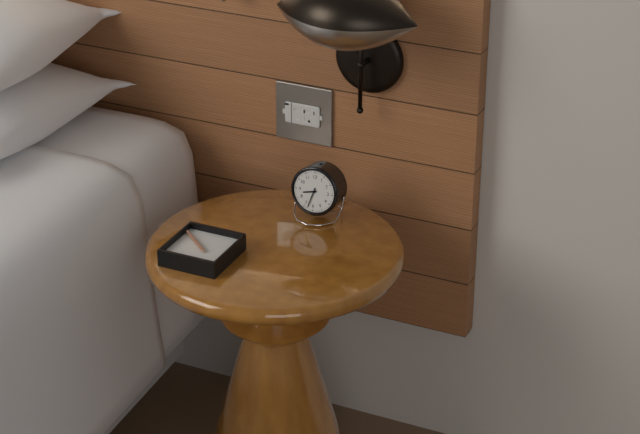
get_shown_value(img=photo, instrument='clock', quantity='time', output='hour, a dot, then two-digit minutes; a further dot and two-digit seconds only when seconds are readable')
8.33
